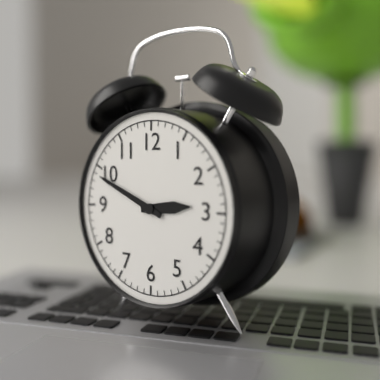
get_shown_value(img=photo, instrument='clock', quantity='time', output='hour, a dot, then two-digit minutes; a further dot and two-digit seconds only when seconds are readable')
2.49
